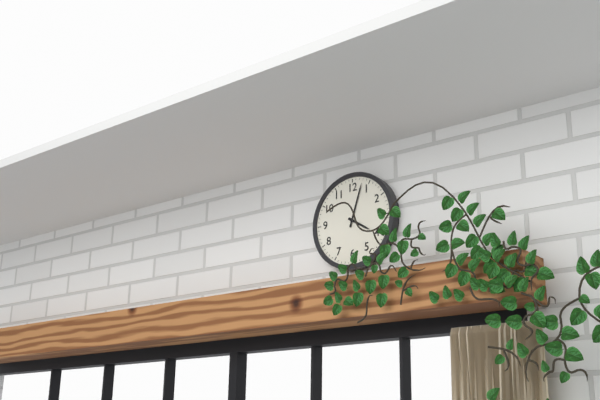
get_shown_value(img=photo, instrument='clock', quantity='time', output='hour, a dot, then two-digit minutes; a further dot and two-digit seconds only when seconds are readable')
4.03
